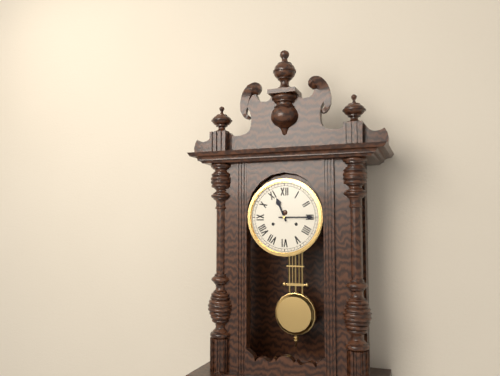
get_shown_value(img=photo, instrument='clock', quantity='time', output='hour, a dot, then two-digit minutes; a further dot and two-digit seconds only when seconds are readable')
11.15
